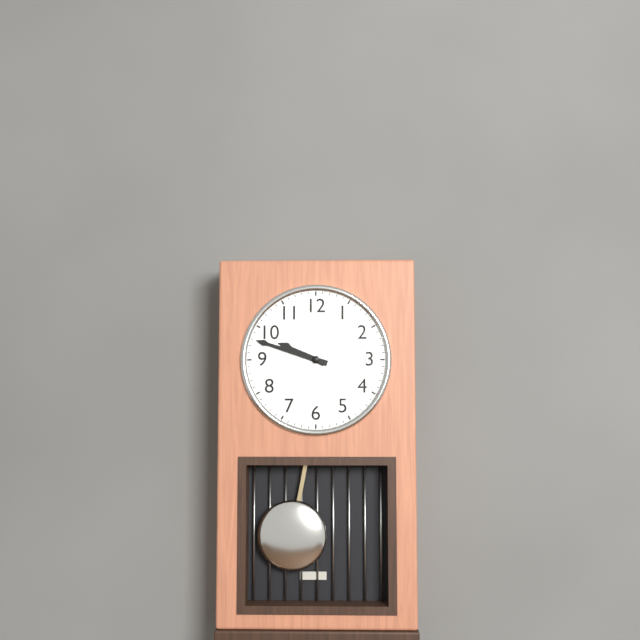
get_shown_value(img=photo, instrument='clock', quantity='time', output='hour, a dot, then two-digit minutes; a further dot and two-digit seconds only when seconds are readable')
9.48
